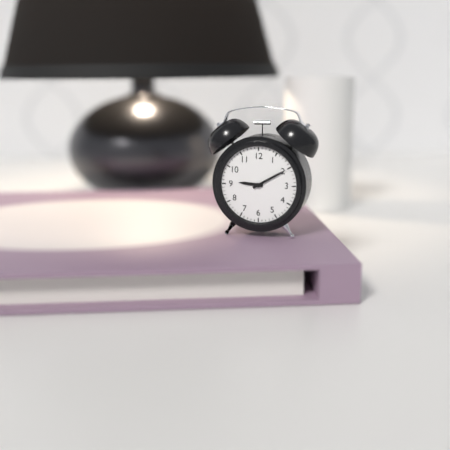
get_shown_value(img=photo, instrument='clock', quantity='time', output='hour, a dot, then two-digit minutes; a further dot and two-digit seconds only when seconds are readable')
9.10
